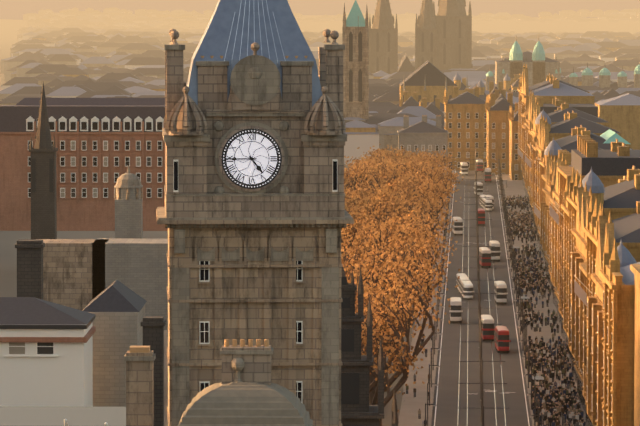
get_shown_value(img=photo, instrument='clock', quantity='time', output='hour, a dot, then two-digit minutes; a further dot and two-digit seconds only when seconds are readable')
4.45
